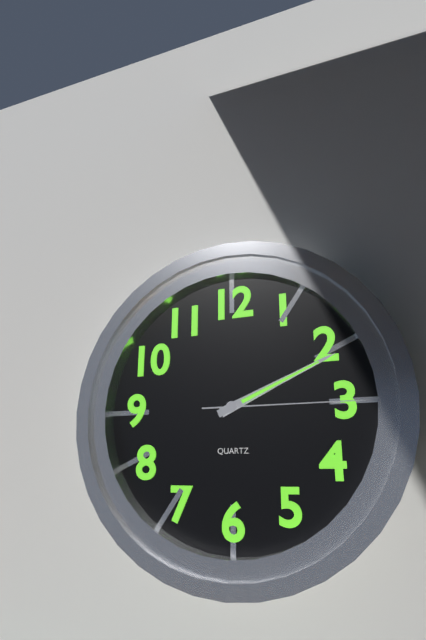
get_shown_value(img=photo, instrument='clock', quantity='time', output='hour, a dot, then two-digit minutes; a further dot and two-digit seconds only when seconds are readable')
2.11.15
